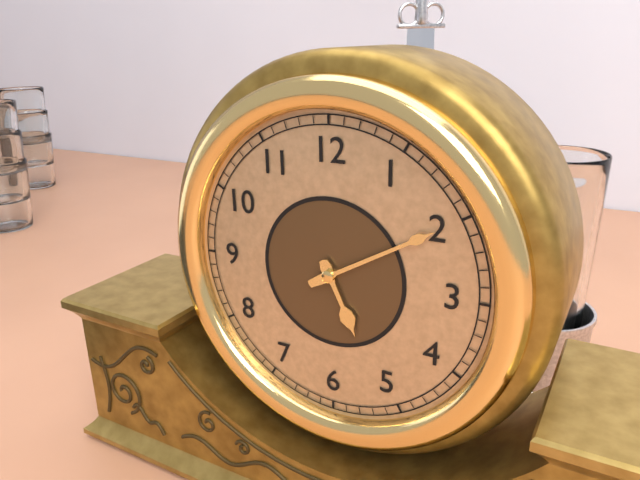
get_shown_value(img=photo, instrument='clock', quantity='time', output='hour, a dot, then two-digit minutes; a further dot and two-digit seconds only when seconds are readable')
5.10
